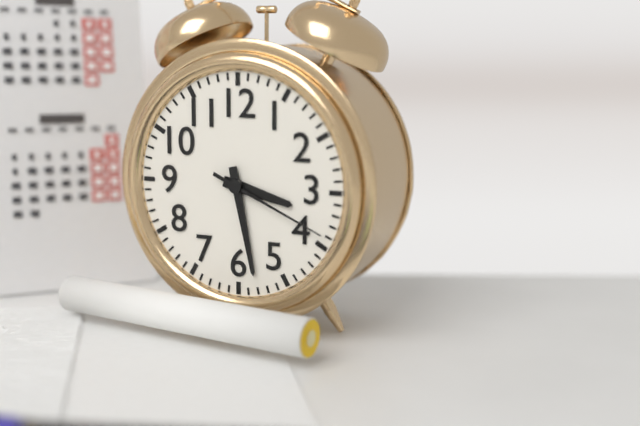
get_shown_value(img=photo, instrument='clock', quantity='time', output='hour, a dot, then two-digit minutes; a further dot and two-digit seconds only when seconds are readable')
3.28.19
